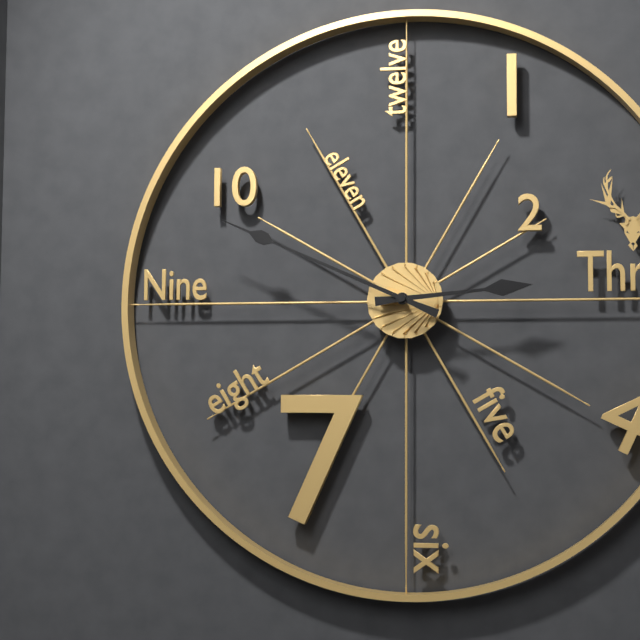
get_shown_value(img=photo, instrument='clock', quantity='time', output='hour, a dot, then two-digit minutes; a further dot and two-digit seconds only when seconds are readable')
2.49
